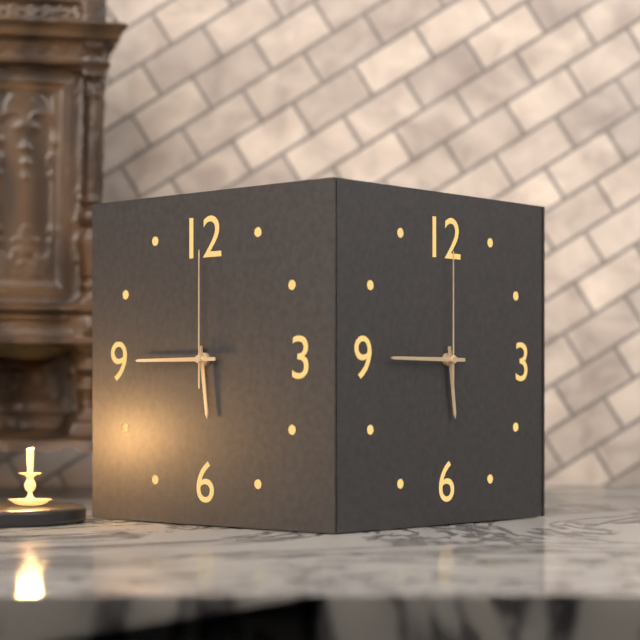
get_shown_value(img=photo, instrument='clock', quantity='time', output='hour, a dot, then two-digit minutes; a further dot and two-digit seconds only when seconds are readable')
5.45.00
